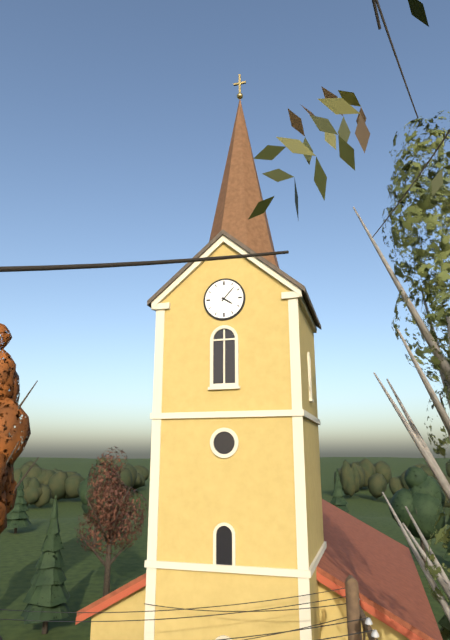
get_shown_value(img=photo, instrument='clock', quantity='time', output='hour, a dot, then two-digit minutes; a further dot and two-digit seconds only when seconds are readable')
4.07
